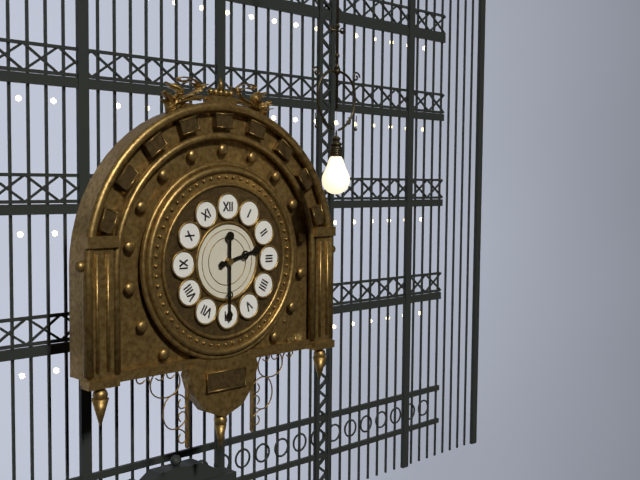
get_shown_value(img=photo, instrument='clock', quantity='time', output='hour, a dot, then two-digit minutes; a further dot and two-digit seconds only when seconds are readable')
2.30
